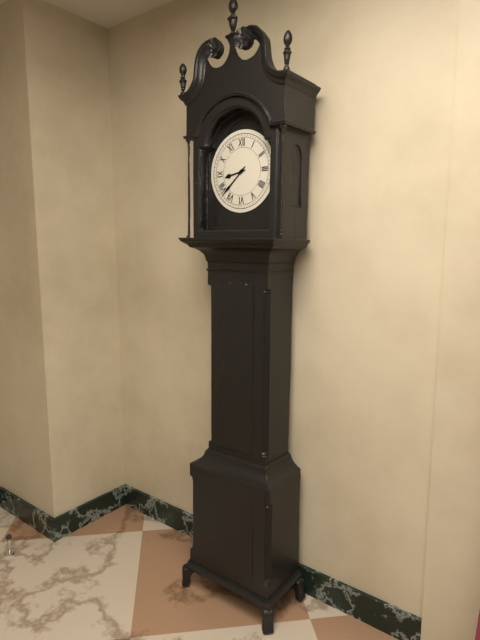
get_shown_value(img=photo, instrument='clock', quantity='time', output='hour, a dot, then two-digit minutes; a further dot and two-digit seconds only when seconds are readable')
8.38
